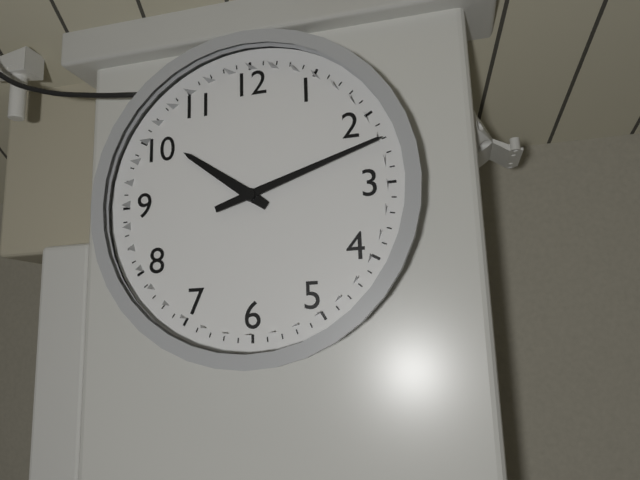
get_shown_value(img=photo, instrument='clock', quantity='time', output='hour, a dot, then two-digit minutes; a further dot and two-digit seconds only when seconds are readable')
10.12
